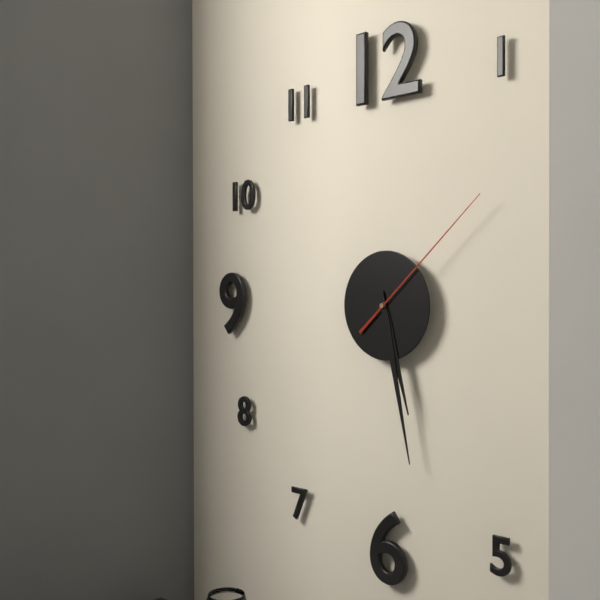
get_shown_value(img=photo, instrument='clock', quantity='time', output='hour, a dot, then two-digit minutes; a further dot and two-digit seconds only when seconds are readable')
5.28.08
